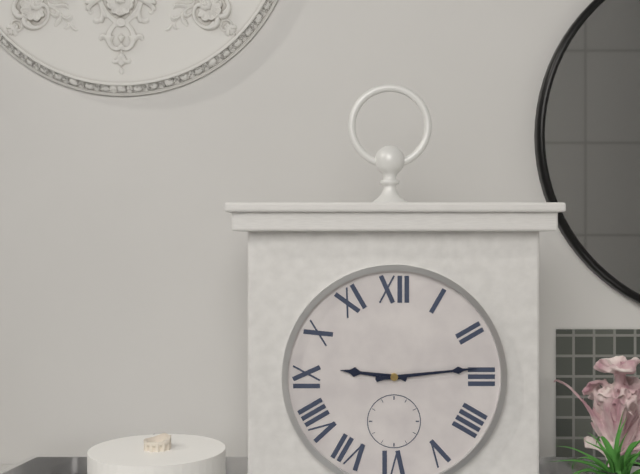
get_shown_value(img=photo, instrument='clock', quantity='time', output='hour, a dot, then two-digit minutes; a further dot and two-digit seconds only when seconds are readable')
9.14
